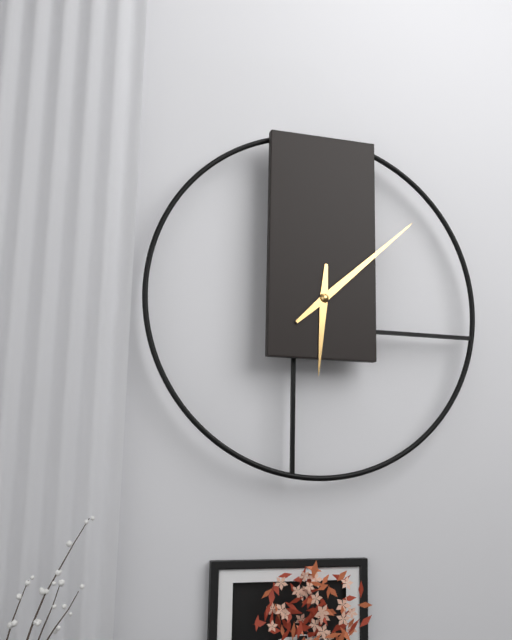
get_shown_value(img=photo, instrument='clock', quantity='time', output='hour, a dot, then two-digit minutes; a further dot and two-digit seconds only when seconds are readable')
6.08
